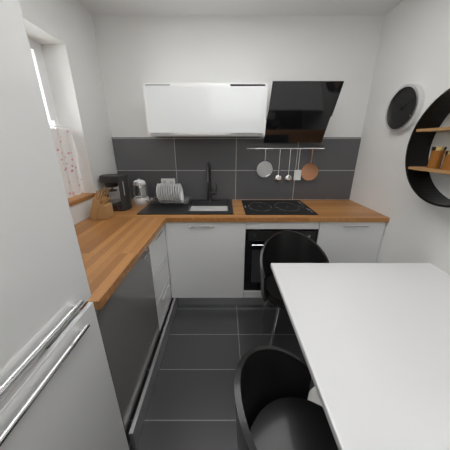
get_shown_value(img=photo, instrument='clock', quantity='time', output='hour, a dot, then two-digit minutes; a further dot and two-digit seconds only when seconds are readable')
10.10
